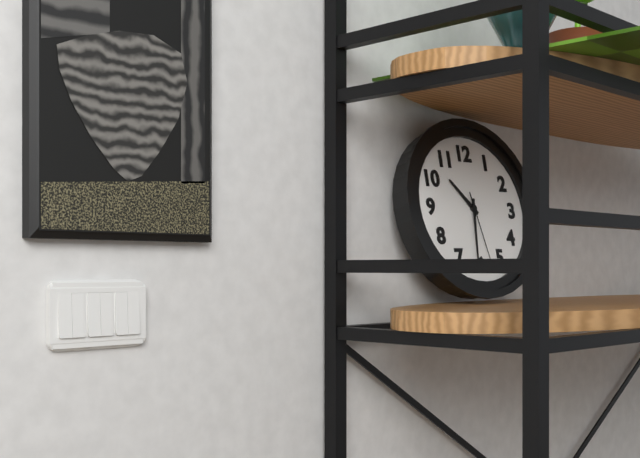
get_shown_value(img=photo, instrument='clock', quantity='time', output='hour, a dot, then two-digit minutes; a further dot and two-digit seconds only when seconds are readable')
10.31.28
